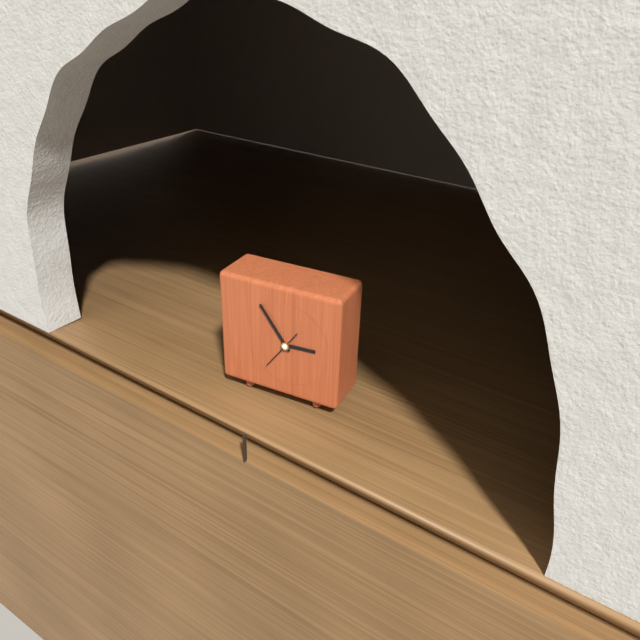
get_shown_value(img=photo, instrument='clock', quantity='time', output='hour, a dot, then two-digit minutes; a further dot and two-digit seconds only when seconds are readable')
2.54
